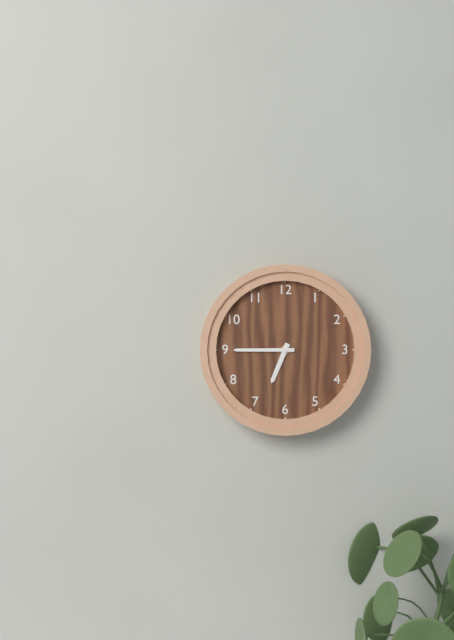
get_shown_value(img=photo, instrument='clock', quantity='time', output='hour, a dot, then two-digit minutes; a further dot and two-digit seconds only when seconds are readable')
6.45
